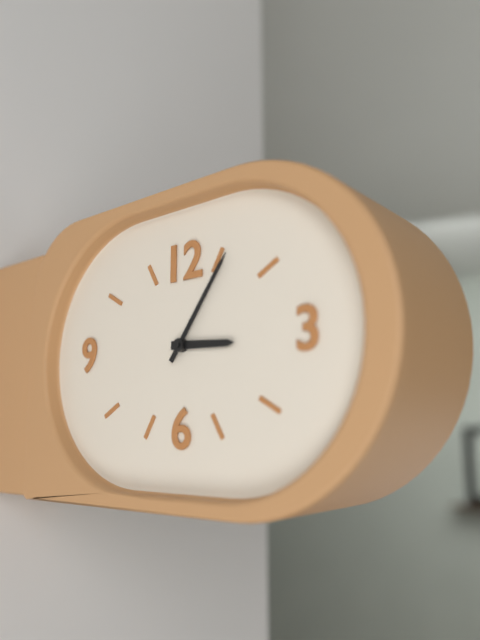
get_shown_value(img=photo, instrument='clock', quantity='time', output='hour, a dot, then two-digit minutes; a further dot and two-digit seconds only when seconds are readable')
3.06
